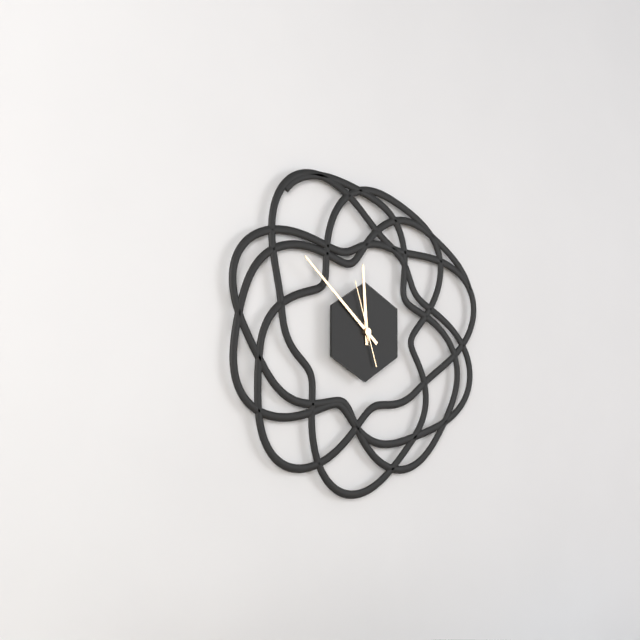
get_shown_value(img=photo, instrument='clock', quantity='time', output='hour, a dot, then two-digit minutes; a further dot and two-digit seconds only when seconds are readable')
11.52.57
